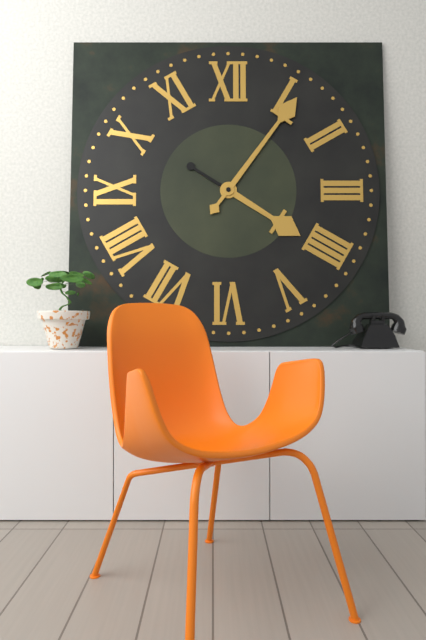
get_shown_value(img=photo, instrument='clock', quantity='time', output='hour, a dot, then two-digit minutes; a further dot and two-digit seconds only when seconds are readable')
4.06
